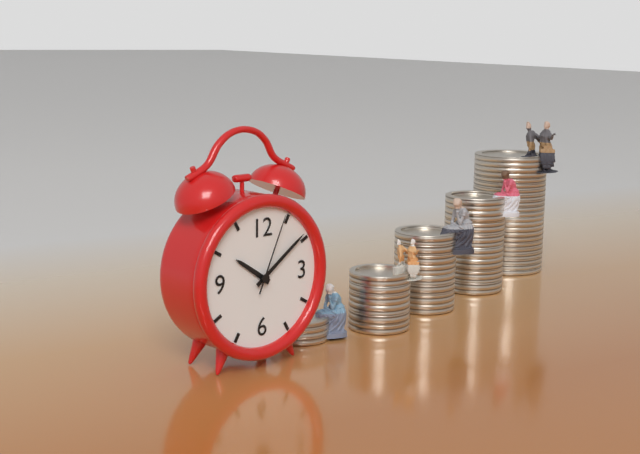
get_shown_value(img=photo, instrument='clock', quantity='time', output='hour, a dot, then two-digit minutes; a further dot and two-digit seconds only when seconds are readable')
10.09.04
